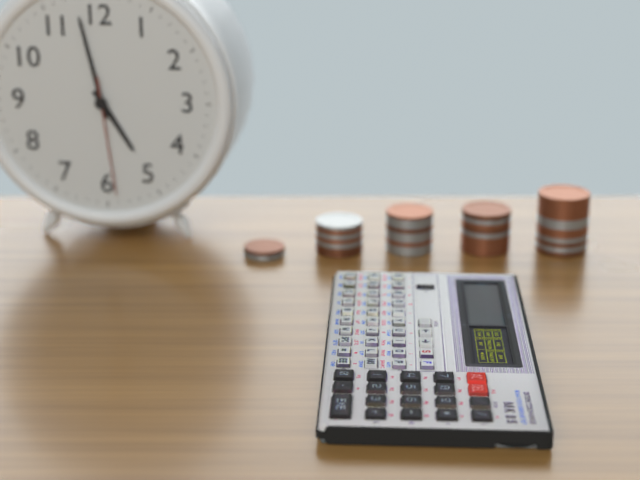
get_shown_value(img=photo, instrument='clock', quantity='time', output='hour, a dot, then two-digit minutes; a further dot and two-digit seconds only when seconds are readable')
4.58.29
